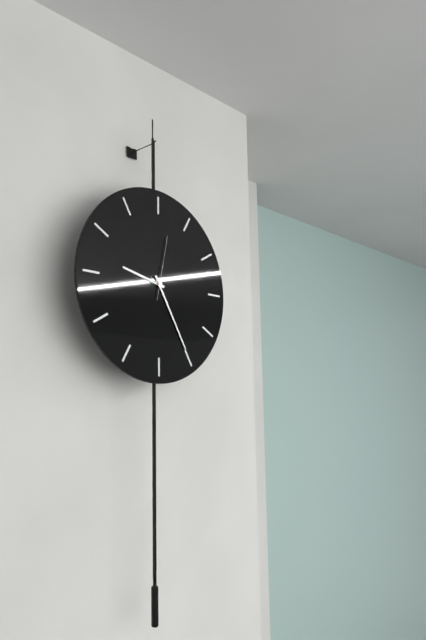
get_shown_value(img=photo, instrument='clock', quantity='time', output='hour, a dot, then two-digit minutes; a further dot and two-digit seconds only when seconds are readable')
9.25.02
